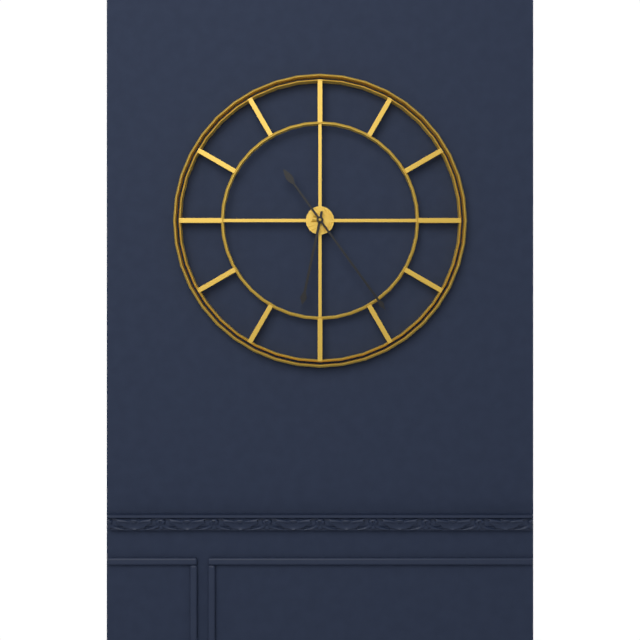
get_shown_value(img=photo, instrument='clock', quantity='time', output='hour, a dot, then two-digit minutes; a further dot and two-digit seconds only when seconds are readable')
6.24
